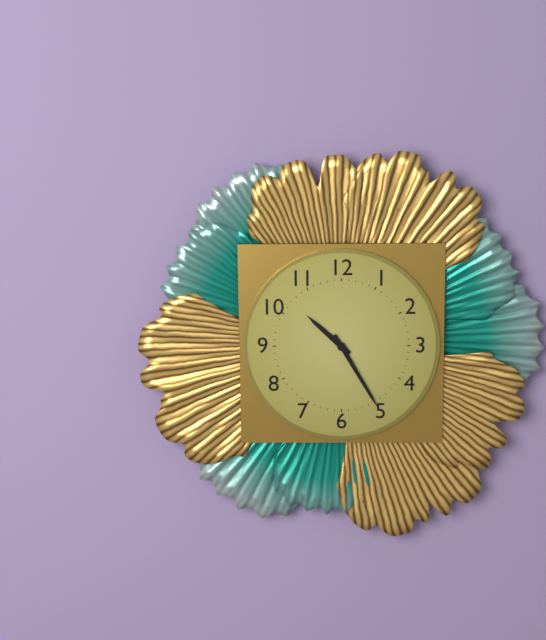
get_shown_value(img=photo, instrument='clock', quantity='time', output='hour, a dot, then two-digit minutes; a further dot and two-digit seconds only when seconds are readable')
10.25
